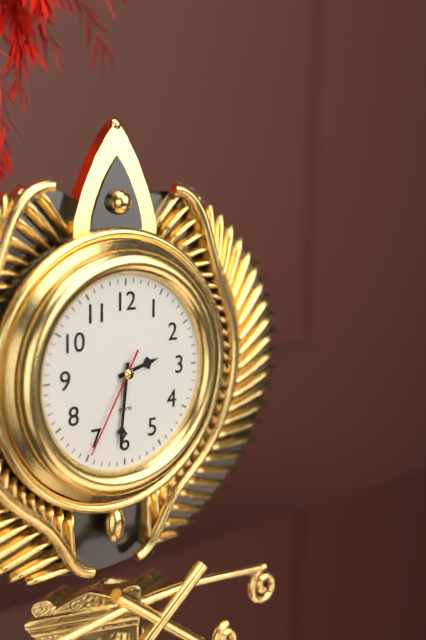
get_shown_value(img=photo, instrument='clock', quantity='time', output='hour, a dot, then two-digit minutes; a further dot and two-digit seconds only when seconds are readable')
2.31.35
